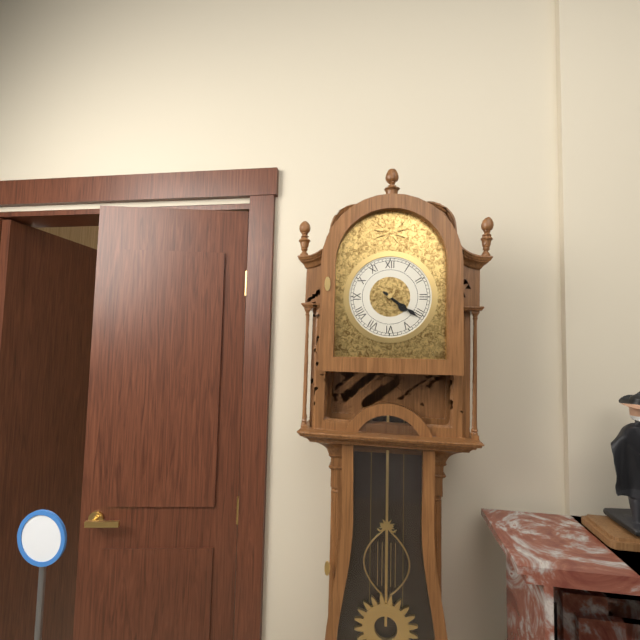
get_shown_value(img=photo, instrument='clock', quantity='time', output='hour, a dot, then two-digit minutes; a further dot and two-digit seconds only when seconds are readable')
4.21
